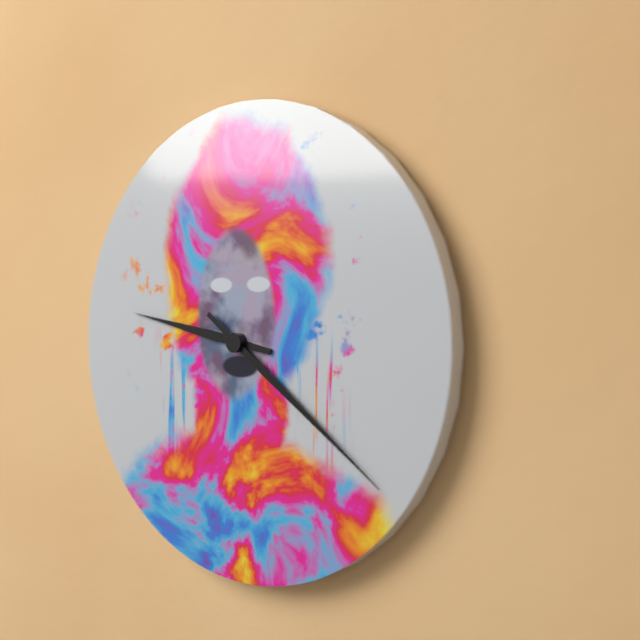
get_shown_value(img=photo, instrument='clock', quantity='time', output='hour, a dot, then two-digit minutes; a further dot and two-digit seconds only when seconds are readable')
9.21
